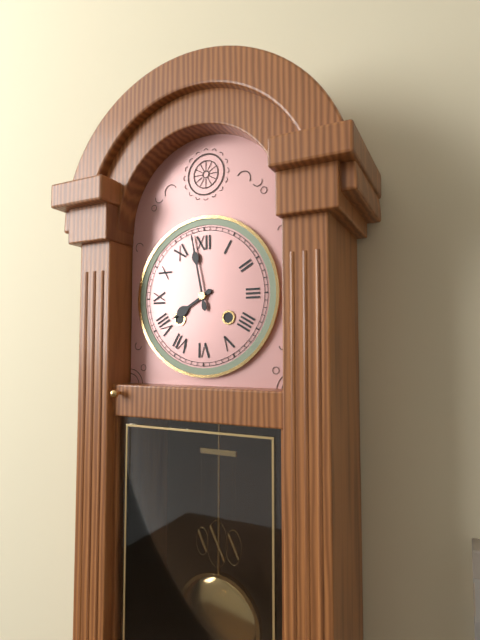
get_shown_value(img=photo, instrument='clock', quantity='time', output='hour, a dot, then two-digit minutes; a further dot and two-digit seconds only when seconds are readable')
7.58
